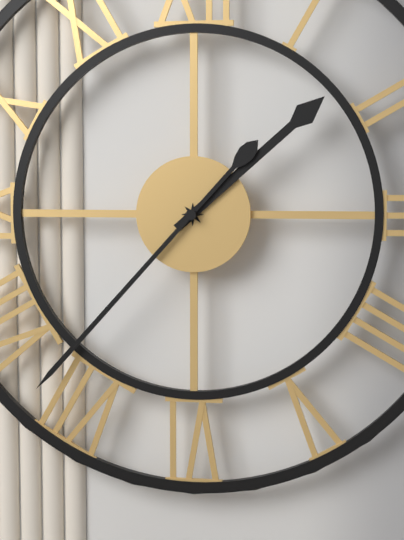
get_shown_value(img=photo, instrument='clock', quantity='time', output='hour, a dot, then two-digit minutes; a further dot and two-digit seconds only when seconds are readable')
1.37
